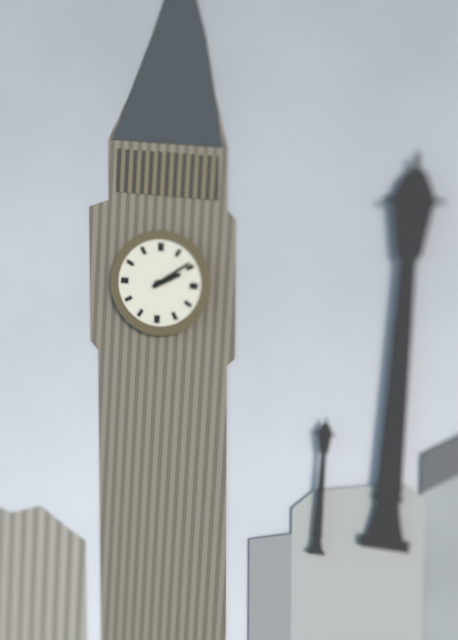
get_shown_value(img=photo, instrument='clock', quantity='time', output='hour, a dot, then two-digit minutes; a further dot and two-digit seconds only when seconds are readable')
2.09
